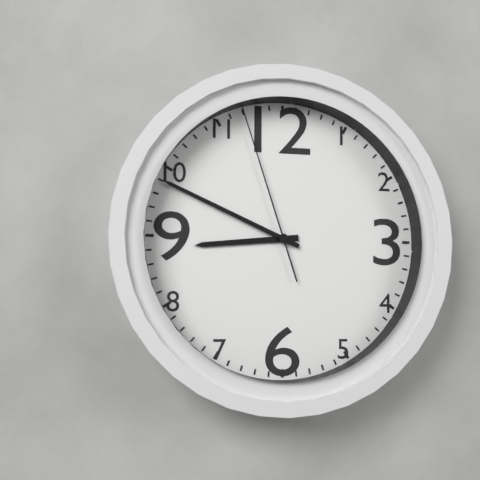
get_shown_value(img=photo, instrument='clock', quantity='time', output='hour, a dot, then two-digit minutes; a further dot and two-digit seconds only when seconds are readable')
8.49.57
